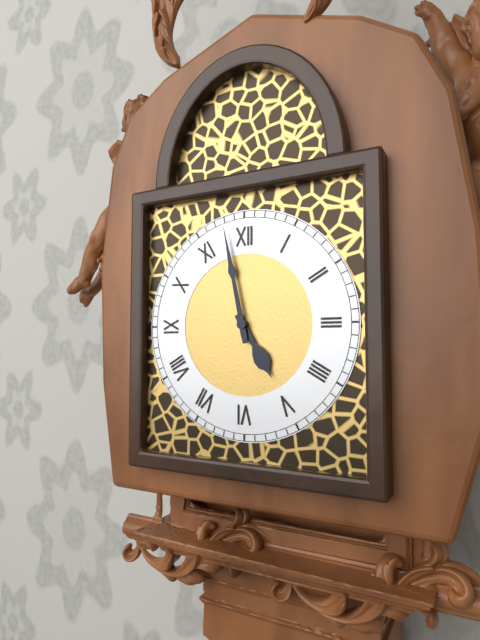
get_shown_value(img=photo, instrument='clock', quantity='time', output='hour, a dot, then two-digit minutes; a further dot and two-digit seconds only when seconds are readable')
4.58
